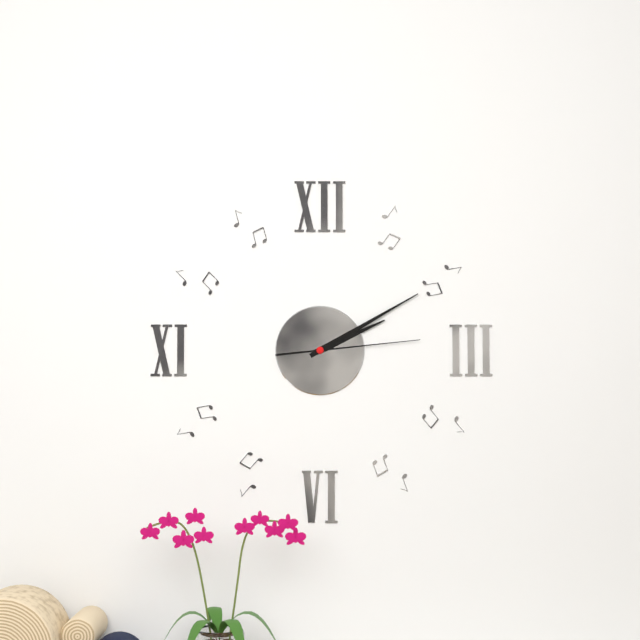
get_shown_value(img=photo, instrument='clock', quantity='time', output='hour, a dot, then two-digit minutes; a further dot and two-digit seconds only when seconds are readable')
2.10.14
